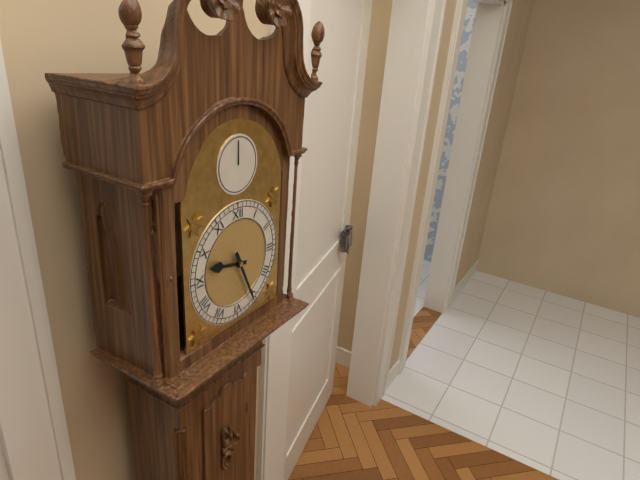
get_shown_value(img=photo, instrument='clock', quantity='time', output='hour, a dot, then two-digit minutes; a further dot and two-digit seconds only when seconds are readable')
9.26
